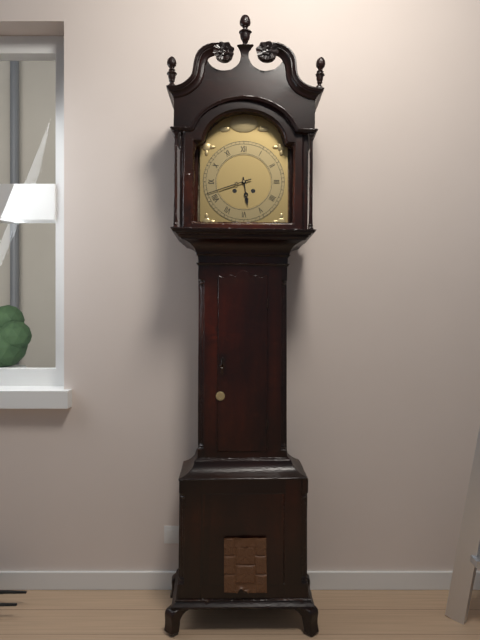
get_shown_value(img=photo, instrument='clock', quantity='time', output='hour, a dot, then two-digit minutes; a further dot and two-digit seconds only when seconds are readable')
5.42
